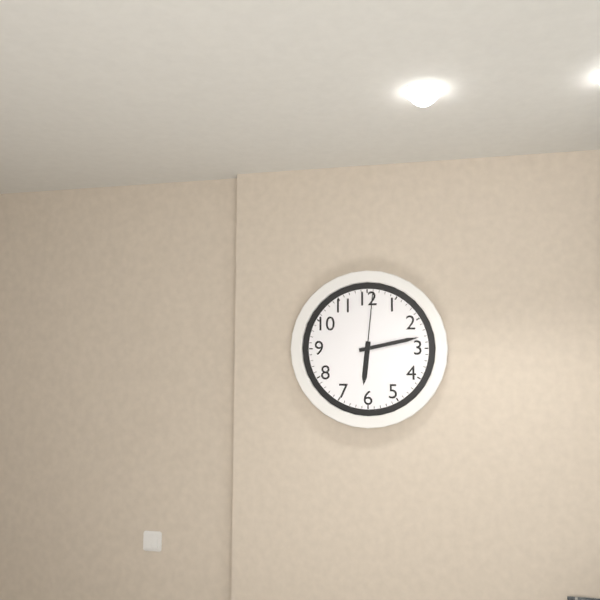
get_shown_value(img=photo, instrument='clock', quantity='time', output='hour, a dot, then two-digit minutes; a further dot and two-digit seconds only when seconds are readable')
6.13.01
